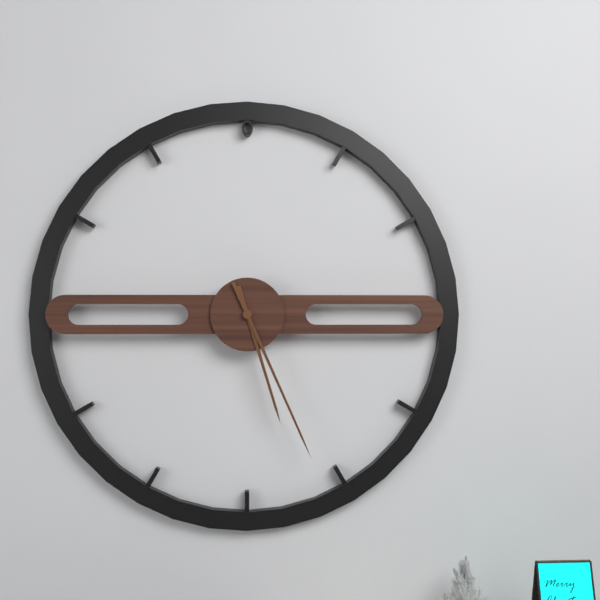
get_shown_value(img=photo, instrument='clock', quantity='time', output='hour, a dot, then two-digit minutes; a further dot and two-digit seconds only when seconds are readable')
5.26
